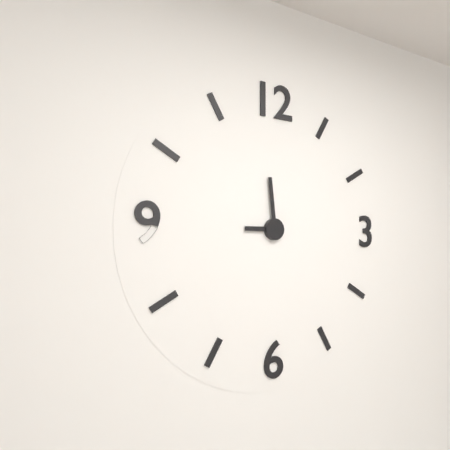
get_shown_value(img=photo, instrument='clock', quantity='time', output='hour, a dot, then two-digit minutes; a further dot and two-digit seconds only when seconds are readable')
8.59
